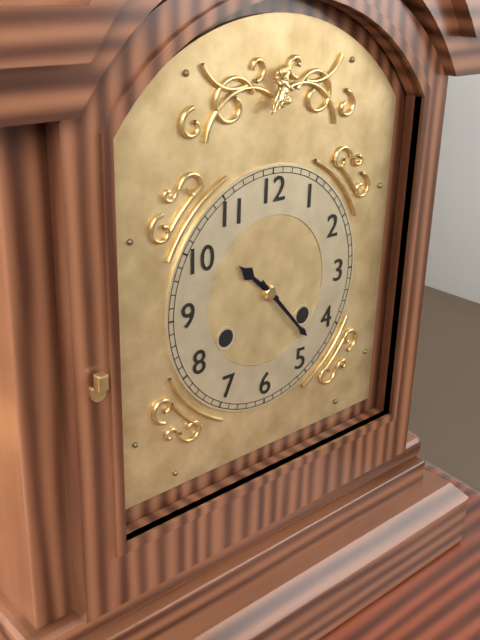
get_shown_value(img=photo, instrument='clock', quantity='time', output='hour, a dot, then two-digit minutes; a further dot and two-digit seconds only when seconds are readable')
10.23
